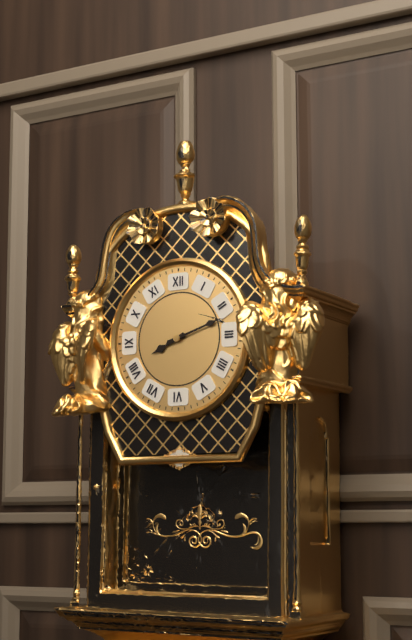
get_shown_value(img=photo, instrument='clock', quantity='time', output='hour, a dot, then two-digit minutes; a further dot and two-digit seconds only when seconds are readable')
8.12
